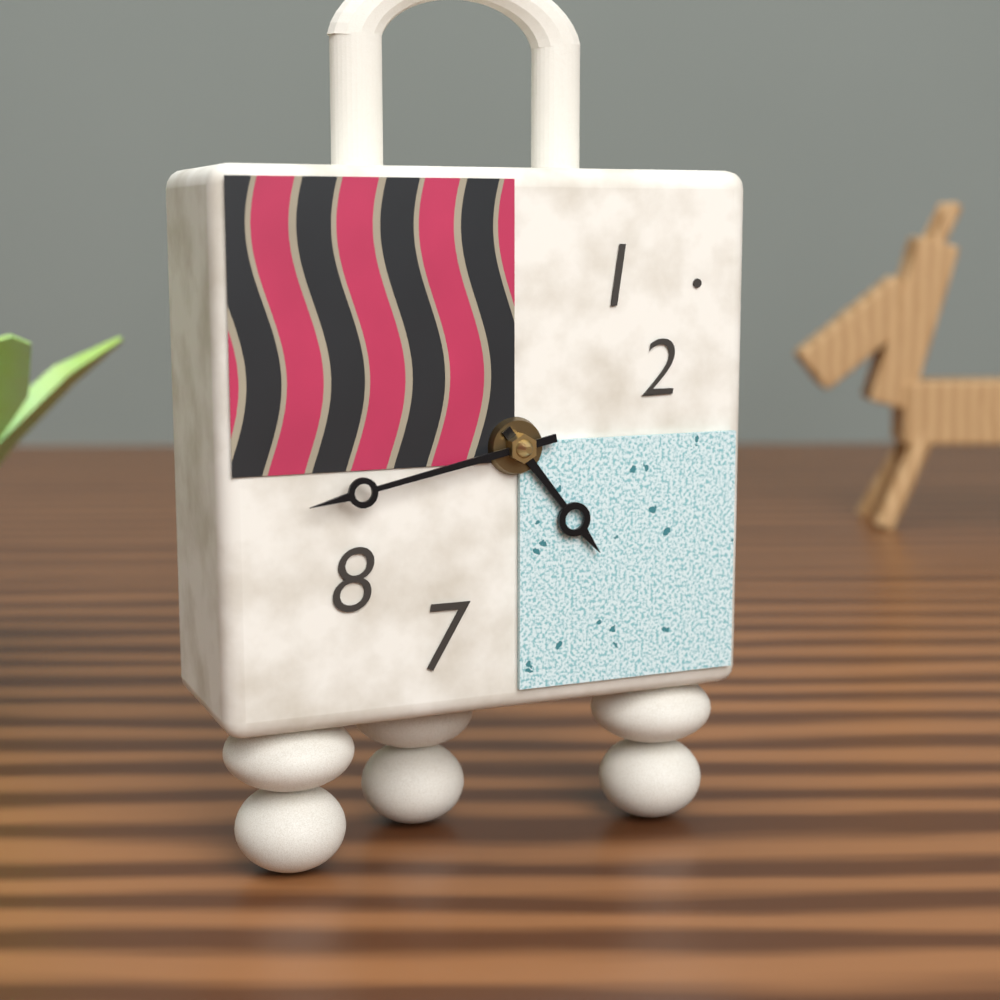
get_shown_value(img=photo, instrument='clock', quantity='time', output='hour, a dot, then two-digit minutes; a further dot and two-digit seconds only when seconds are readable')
4.43
